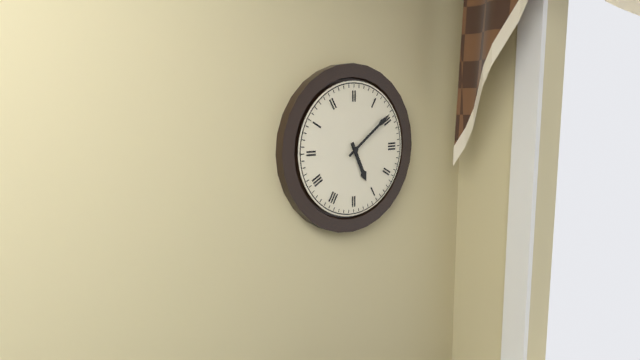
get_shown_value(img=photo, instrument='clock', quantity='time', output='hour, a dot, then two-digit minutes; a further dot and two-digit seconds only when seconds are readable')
5.09
